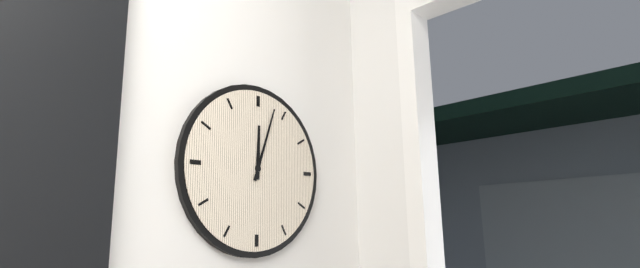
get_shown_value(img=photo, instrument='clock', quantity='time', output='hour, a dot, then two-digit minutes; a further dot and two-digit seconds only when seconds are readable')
12.03
